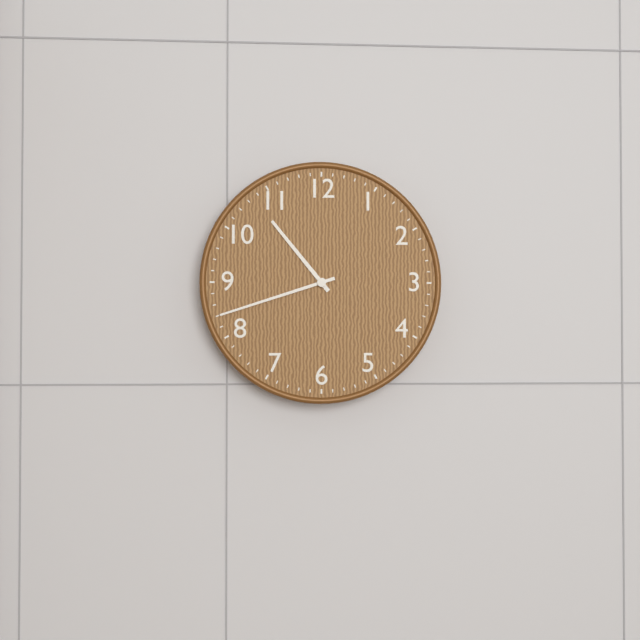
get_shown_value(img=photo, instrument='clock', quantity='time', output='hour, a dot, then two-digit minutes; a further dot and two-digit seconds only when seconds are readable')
10.42
